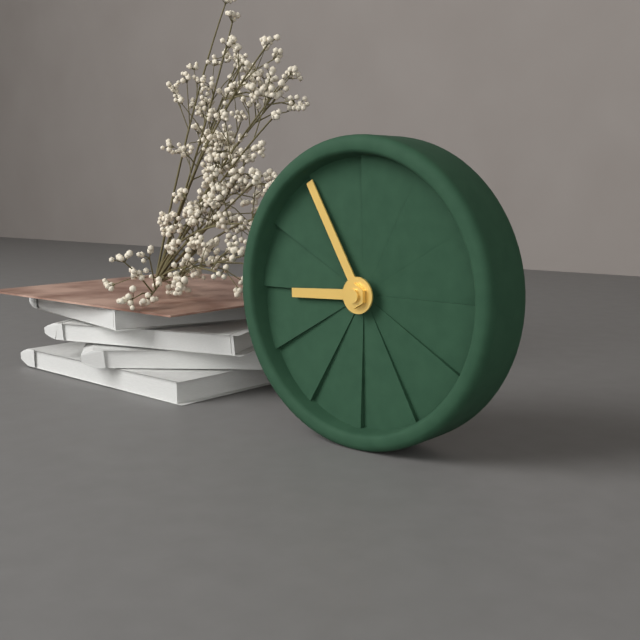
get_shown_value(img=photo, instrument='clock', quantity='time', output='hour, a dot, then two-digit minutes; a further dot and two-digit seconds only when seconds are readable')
8.55
